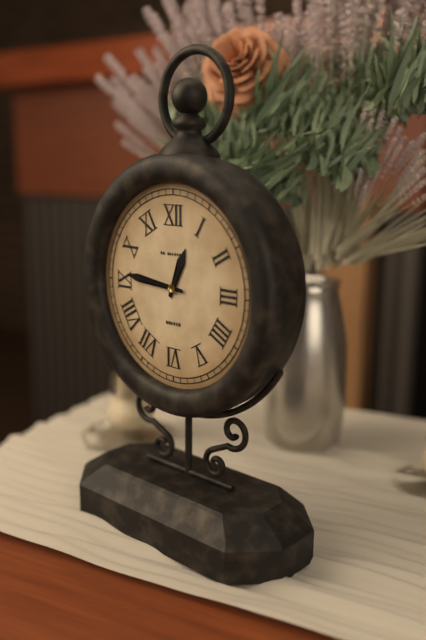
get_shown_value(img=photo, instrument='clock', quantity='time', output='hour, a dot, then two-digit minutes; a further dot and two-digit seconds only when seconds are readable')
12.46
